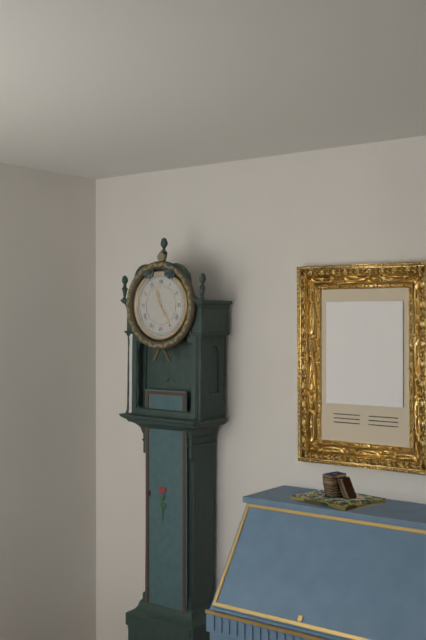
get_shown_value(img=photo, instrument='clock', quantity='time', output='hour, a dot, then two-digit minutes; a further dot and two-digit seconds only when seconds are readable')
11.24
